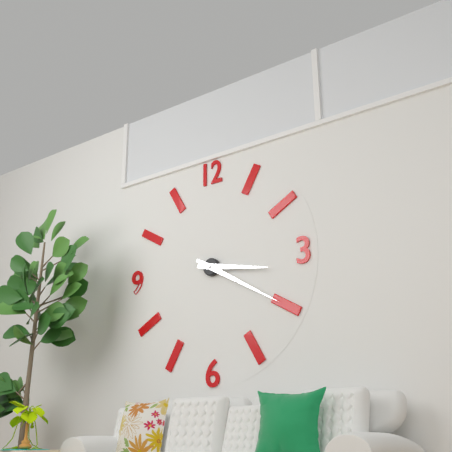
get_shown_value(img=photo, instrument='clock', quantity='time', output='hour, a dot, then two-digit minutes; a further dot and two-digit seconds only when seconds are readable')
3.20
